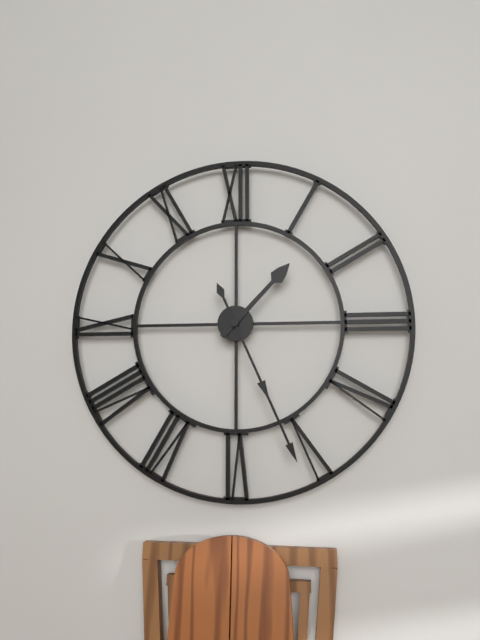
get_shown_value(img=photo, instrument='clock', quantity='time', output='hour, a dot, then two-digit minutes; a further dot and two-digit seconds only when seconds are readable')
1.26
